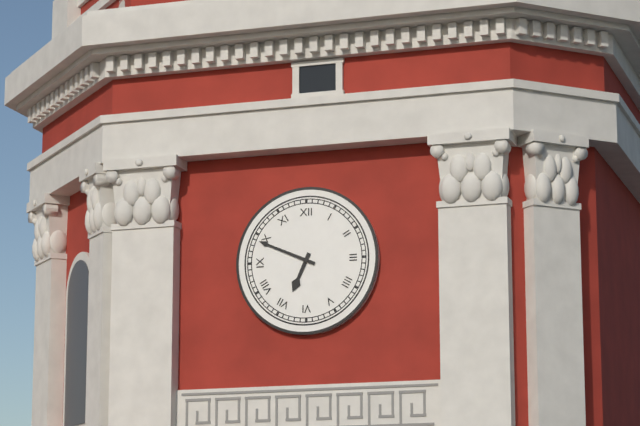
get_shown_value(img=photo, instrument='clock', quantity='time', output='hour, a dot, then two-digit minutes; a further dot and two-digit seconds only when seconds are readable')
6.49
